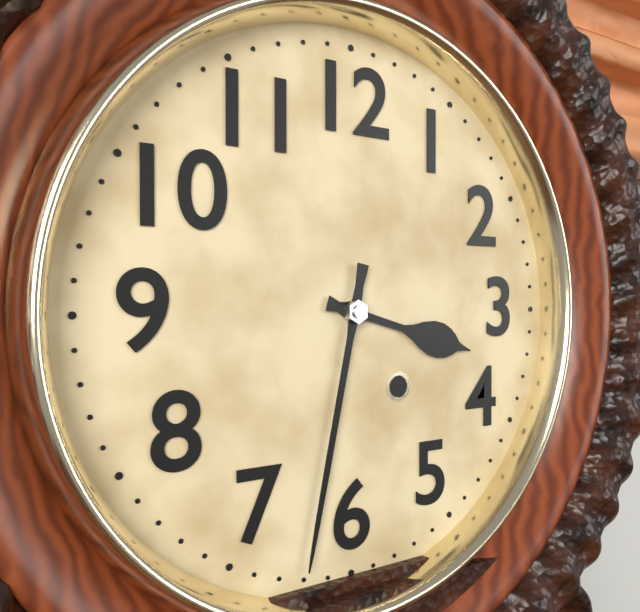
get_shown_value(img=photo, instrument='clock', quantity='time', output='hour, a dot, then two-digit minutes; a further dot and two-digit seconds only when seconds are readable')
3.32
